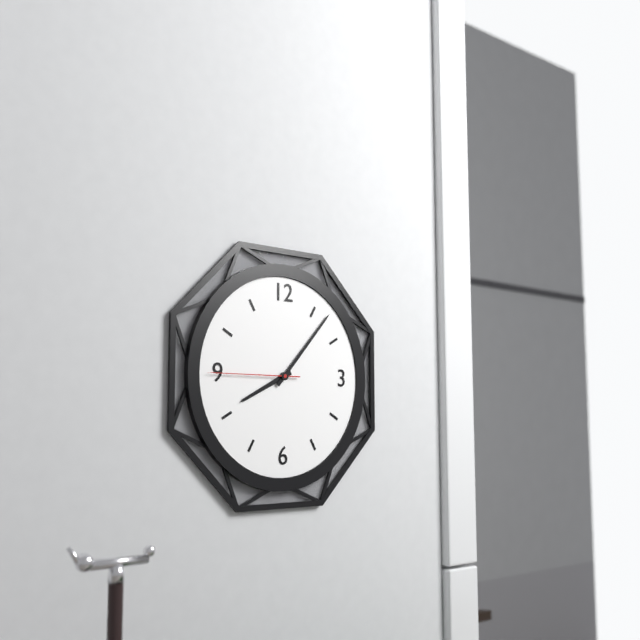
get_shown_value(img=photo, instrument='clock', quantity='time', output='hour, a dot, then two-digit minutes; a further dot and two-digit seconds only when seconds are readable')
8.07.45
